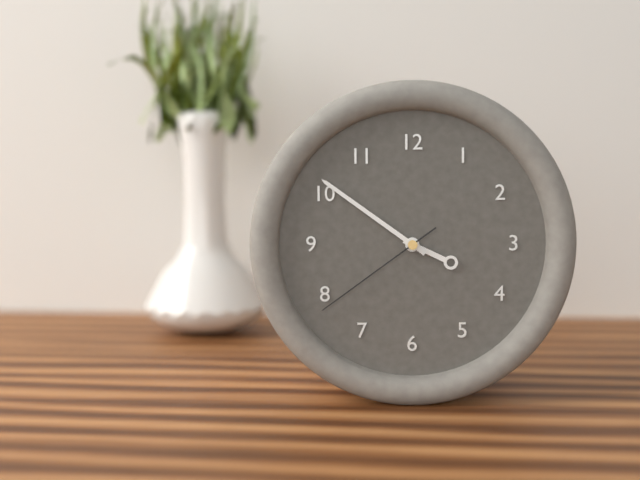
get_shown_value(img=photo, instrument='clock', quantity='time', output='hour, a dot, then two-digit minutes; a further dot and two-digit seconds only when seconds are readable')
3.51.39
